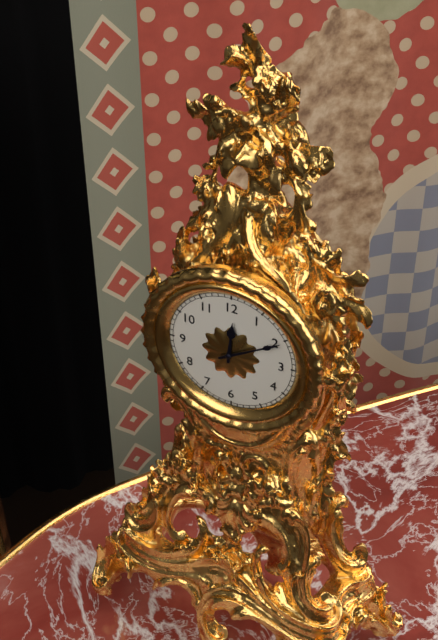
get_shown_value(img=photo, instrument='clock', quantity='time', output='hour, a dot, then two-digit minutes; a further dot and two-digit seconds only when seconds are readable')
12.10
